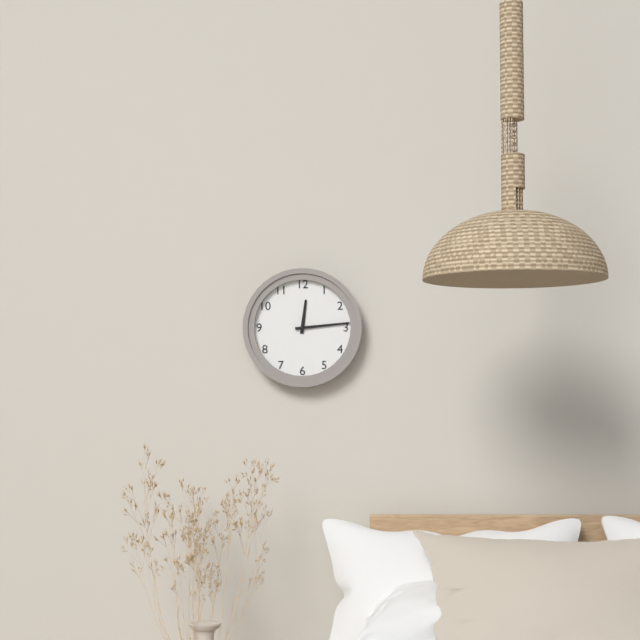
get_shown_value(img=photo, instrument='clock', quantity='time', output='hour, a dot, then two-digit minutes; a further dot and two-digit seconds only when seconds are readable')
12.14
